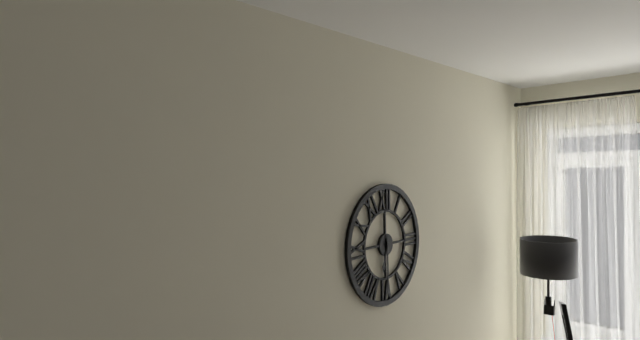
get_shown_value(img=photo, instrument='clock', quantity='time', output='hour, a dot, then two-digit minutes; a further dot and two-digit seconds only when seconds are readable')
6.30
